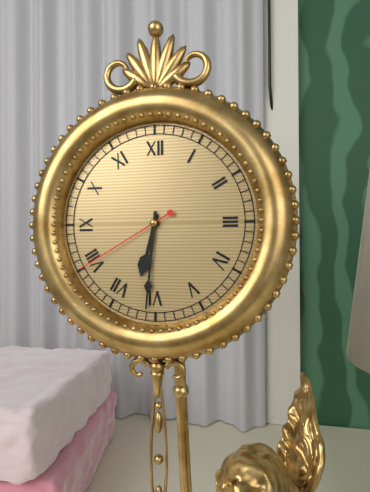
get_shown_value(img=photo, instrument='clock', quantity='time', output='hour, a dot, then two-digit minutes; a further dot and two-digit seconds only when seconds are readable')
6.31.40
